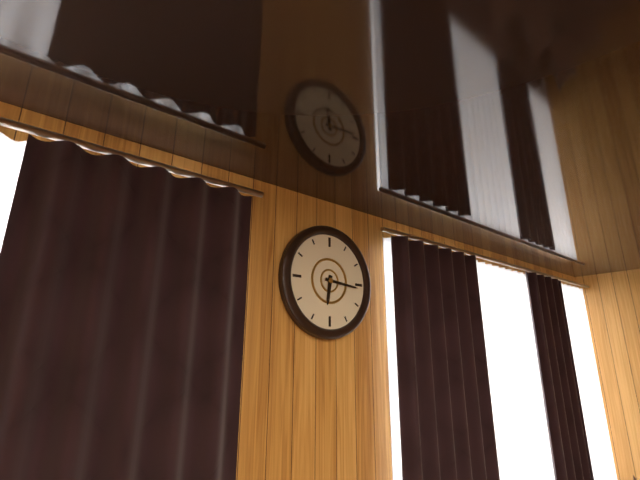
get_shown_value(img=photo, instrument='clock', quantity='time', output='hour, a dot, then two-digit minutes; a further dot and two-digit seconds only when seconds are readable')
6.16
